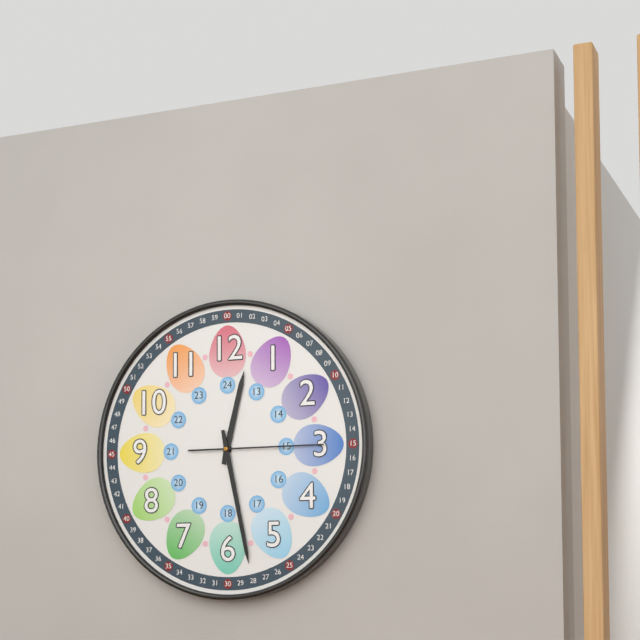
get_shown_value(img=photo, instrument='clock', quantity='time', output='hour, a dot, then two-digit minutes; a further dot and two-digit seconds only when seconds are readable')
12.28.15
